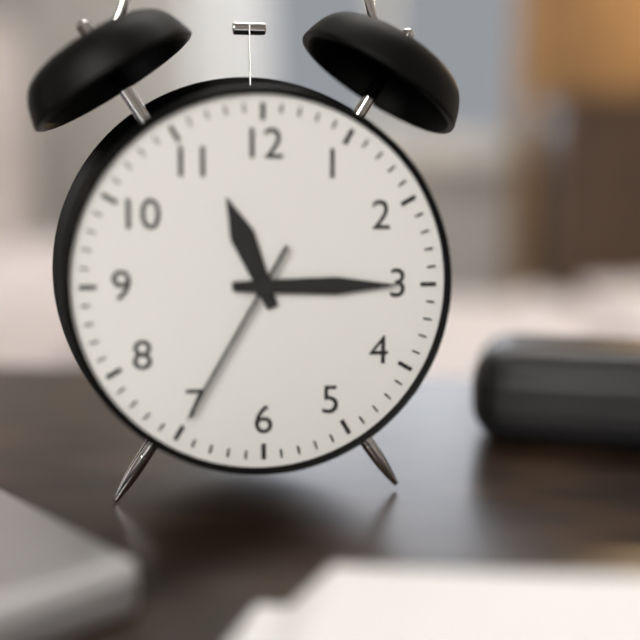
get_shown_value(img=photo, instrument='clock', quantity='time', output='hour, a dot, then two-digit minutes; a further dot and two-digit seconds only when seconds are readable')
11.15.35
